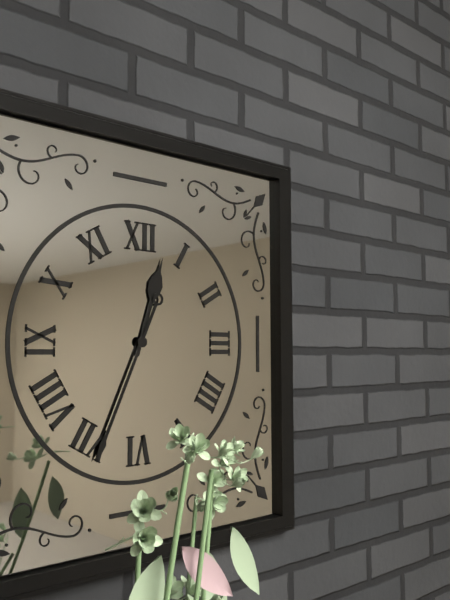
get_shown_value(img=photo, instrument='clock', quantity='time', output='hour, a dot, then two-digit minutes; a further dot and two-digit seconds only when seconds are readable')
12.34
